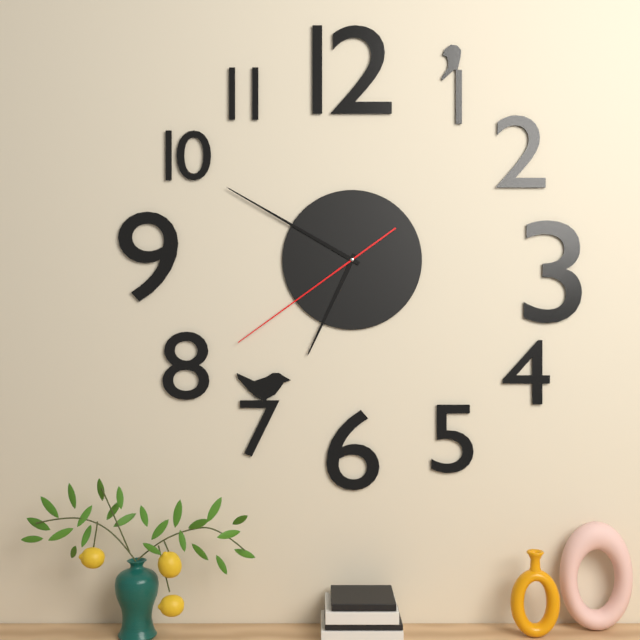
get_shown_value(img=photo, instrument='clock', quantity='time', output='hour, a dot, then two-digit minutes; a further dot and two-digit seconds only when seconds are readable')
6.50.39
